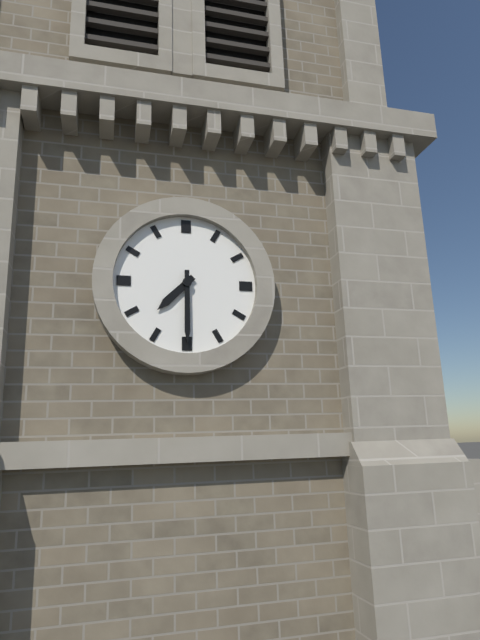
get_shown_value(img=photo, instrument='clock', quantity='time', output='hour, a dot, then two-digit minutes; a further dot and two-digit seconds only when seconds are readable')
7.30
